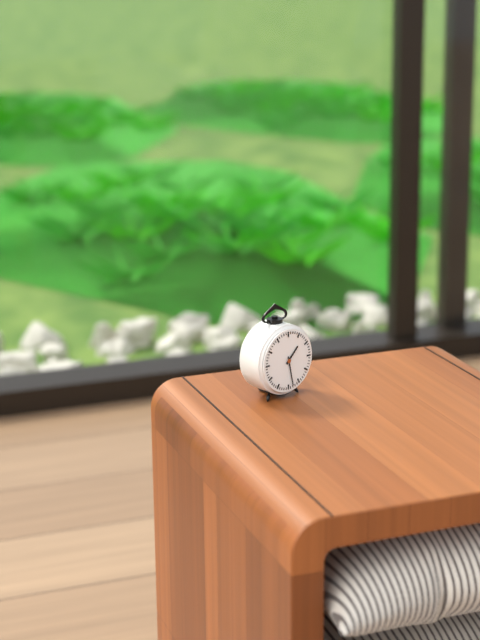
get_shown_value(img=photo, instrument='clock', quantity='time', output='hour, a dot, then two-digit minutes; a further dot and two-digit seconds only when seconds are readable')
1.28
